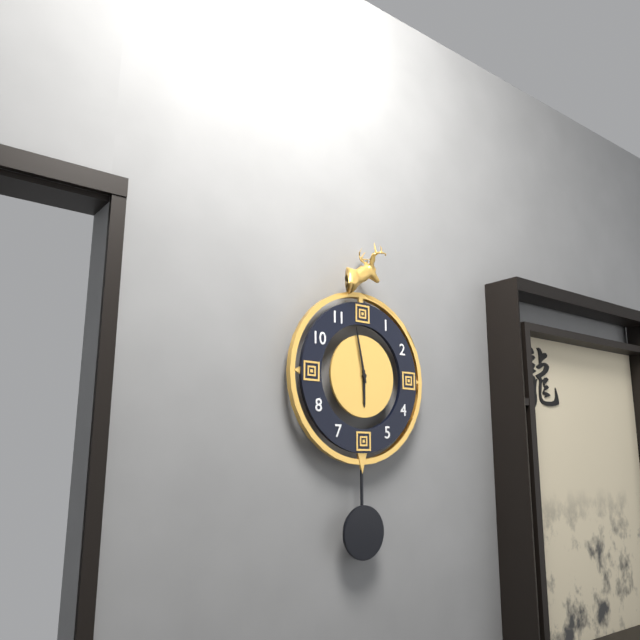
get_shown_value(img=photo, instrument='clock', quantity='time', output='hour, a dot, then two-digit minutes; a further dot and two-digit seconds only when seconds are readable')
5.58
